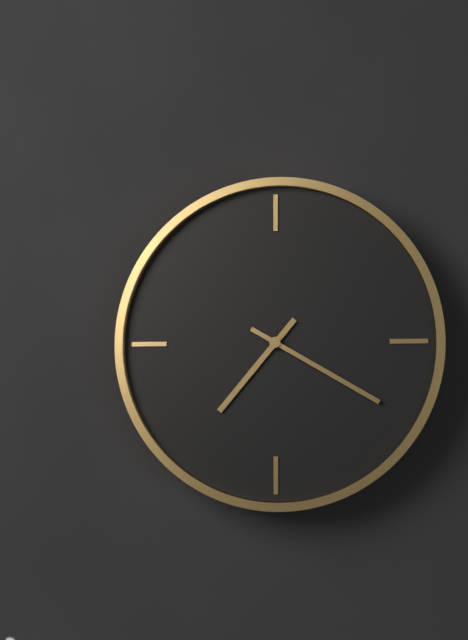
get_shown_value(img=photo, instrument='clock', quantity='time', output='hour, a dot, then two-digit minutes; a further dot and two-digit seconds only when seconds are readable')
7.20
